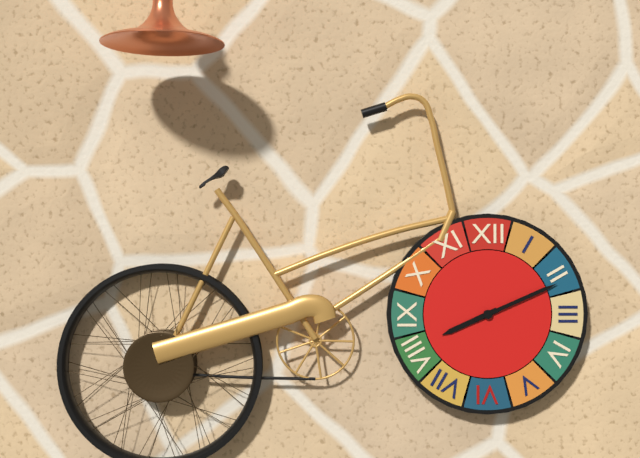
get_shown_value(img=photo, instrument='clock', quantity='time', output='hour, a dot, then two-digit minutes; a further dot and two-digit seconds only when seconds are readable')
8.11
